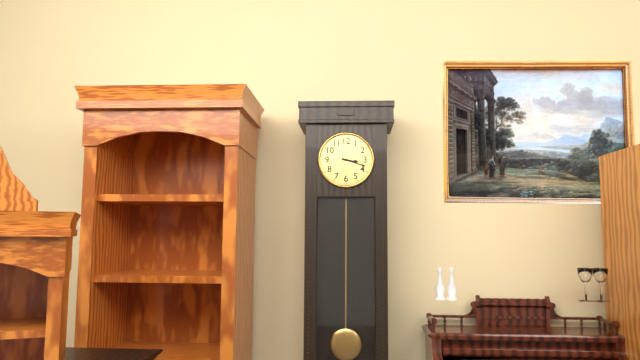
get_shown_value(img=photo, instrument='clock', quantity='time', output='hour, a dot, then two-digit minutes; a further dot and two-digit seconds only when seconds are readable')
3.18
